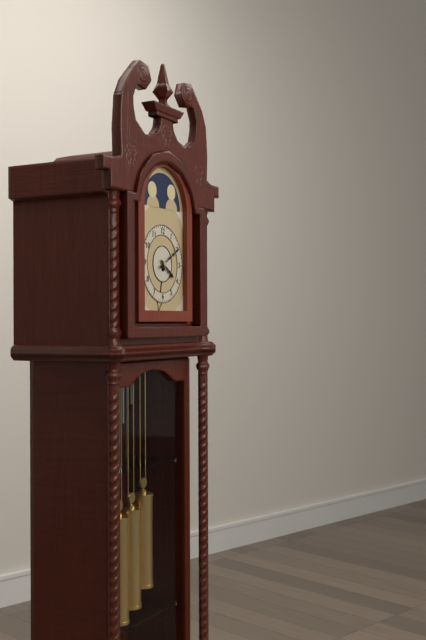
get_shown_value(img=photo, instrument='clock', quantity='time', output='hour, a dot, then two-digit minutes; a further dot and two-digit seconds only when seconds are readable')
4.10
